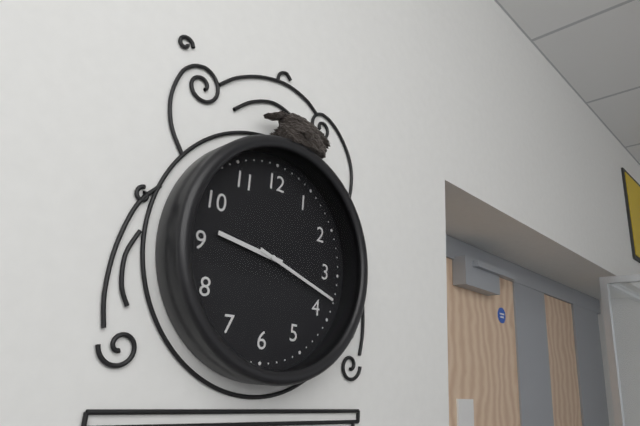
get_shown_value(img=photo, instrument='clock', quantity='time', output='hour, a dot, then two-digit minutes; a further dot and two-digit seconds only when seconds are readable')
9.18
